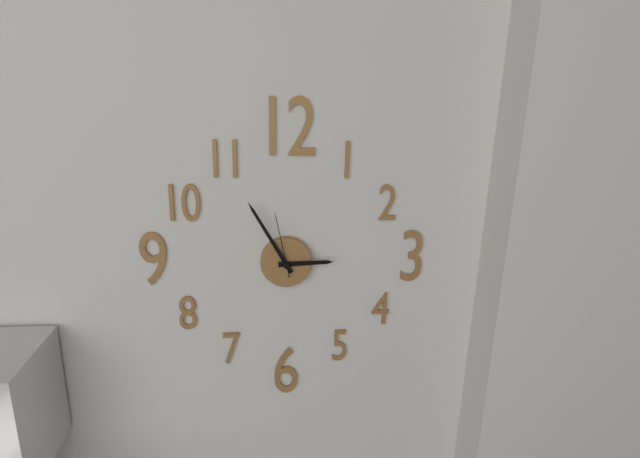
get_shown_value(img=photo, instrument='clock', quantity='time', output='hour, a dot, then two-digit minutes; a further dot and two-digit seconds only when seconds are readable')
2.55.58
